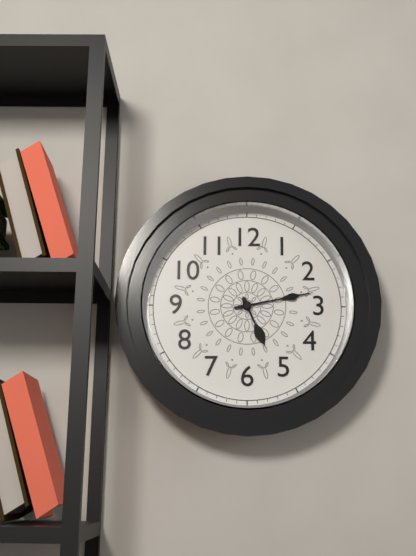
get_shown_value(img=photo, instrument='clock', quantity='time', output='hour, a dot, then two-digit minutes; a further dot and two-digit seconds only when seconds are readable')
5.13
